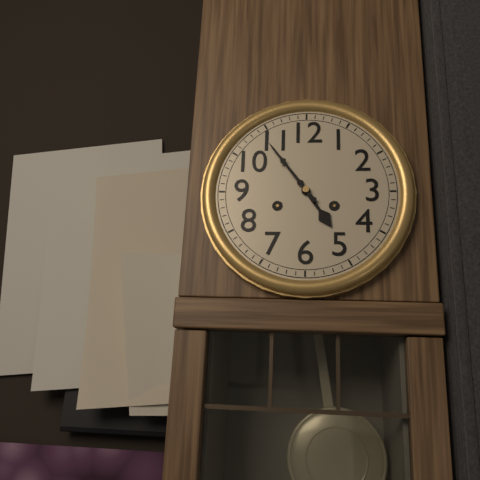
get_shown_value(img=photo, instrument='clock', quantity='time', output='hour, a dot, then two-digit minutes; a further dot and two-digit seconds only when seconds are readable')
4.54
